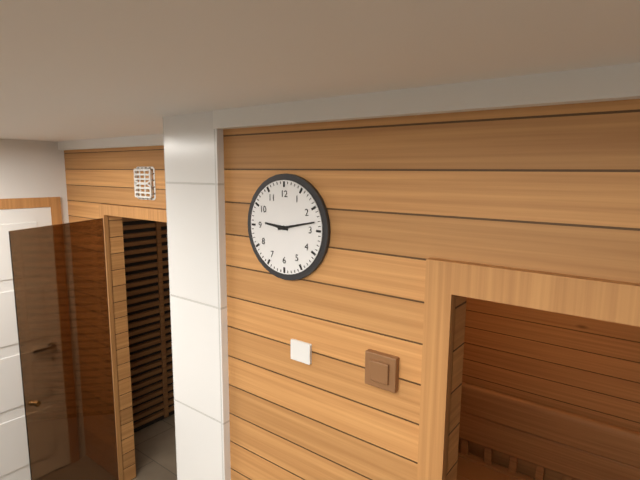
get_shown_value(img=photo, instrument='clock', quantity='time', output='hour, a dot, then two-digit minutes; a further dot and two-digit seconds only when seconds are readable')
9.13
